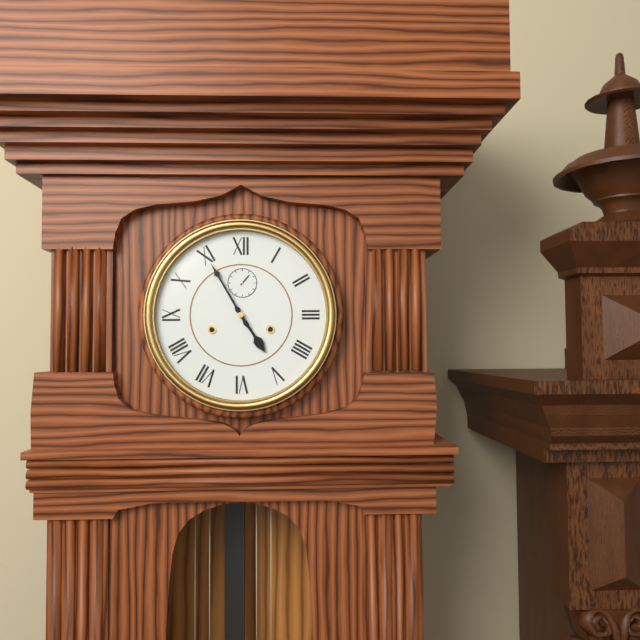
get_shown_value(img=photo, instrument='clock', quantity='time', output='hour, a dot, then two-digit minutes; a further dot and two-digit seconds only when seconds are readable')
4.55
